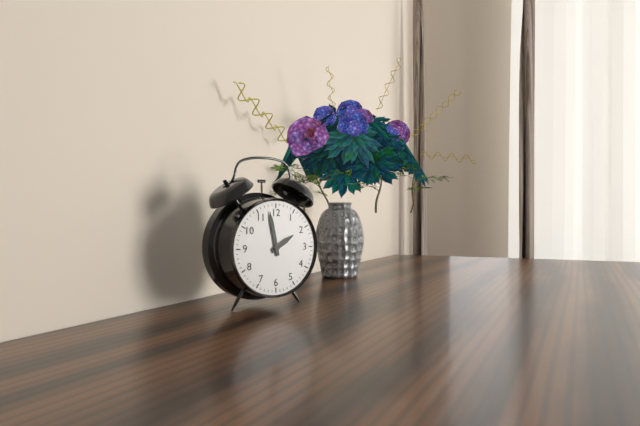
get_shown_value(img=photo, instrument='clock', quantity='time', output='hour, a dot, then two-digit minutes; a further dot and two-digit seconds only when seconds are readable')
1.58
